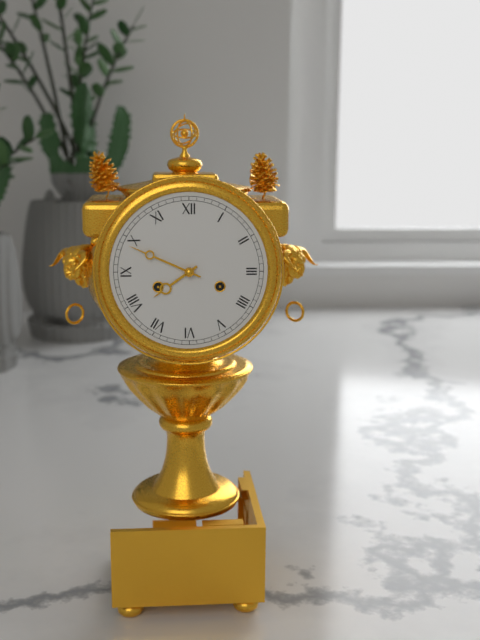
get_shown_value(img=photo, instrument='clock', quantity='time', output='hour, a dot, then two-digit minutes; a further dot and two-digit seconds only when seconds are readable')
7.49
